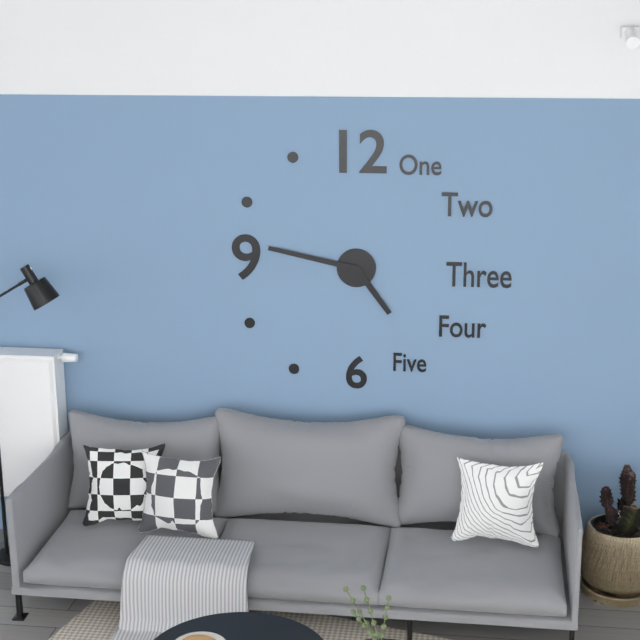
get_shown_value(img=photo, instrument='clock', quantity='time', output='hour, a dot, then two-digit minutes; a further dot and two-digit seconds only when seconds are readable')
4.47
